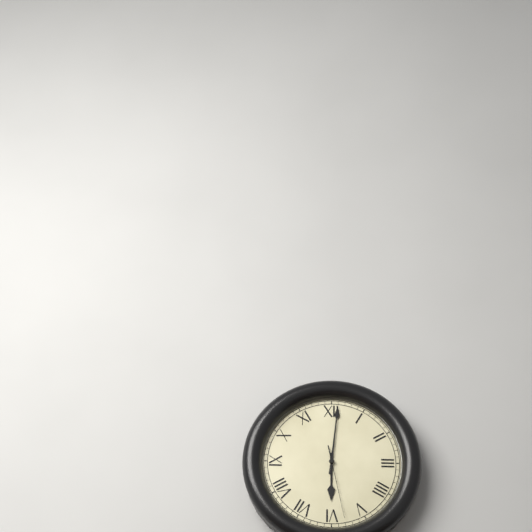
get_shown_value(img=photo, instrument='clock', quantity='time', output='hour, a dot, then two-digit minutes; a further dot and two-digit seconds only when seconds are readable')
6.01.28
